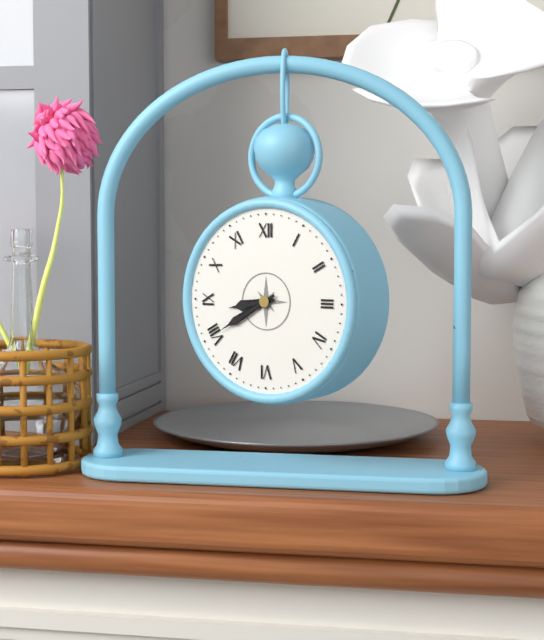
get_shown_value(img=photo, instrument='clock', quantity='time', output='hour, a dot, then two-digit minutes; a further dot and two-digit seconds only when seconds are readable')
8.40
